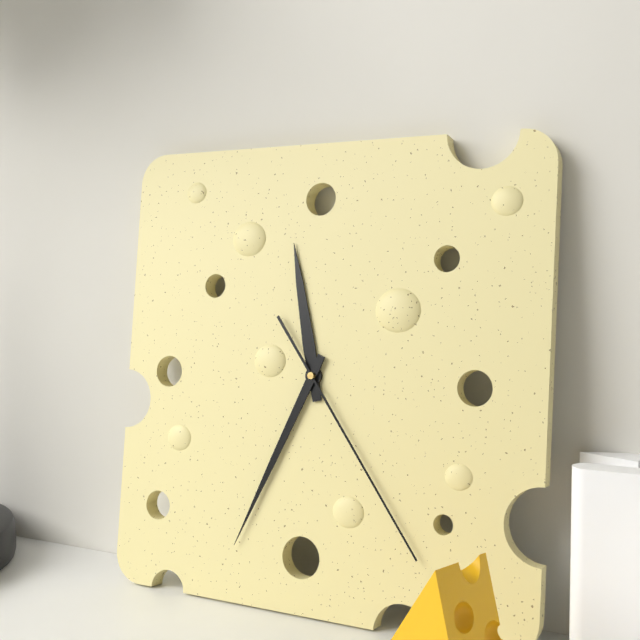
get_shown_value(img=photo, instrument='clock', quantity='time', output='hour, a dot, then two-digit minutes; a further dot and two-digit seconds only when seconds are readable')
11.34.24
